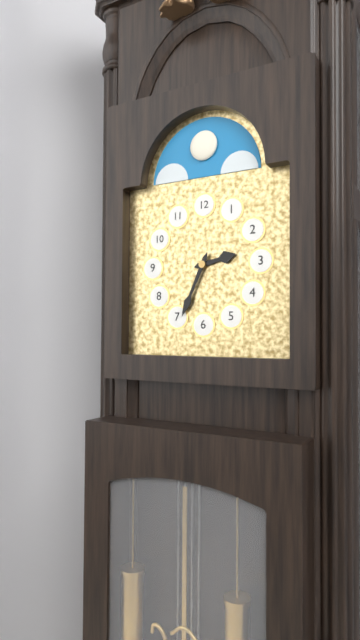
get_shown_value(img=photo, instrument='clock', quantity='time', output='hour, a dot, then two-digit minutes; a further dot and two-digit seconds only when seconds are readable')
2.34
